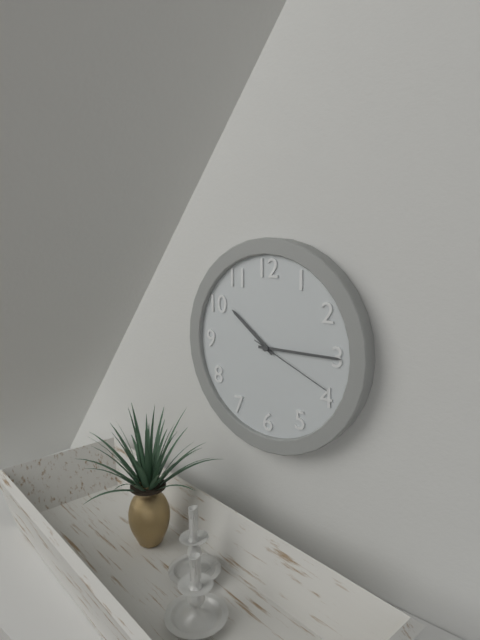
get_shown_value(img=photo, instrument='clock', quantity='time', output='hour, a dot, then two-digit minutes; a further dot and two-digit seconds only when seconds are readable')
10.15.19
